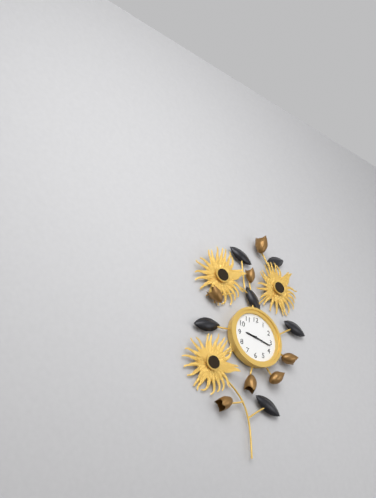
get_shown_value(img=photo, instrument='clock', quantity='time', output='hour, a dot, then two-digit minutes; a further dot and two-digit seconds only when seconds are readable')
9.17
